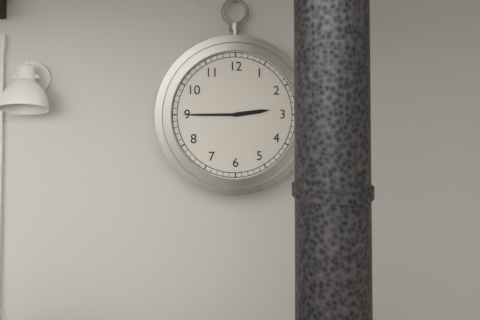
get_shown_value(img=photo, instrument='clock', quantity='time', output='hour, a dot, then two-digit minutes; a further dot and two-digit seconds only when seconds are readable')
2.45
